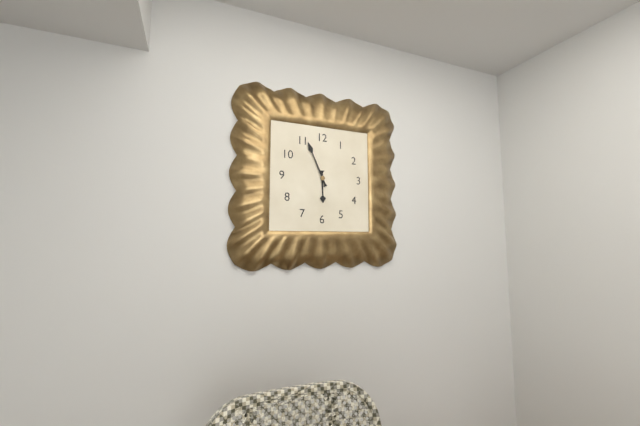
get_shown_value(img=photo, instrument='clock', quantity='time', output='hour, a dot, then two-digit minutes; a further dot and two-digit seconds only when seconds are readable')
5.56
